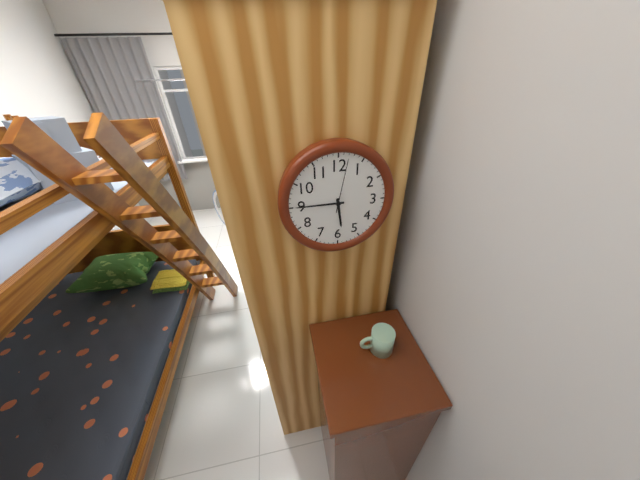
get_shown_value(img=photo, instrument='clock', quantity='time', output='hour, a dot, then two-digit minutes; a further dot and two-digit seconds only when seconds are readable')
5.45.02
